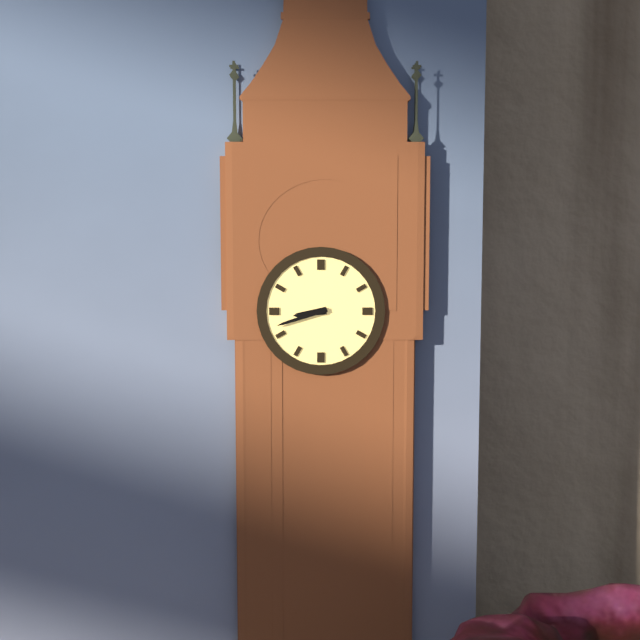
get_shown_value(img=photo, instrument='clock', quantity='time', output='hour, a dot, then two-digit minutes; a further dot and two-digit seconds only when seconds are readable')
8.42
